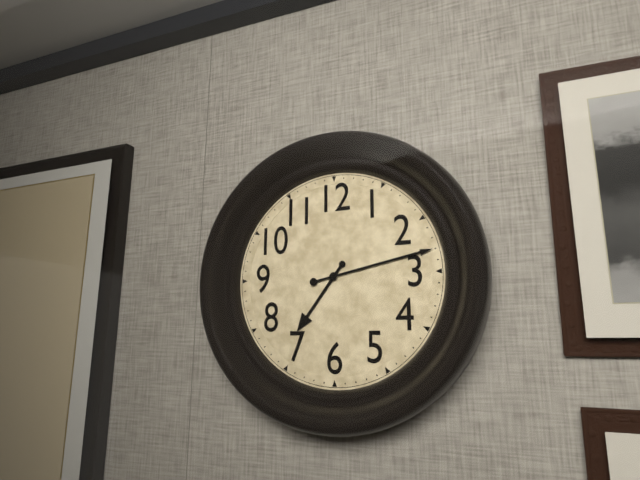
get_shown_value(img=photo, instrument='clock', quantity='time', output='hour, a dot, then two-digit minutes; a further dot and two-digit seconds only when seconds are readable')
7.13
